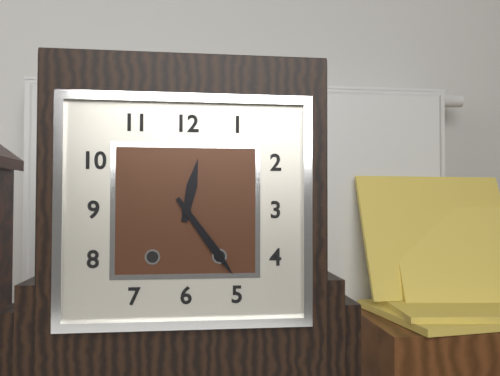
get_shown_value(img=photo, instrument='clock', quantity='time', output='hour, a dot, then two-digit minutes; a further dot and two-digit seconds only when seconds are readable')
12.24
